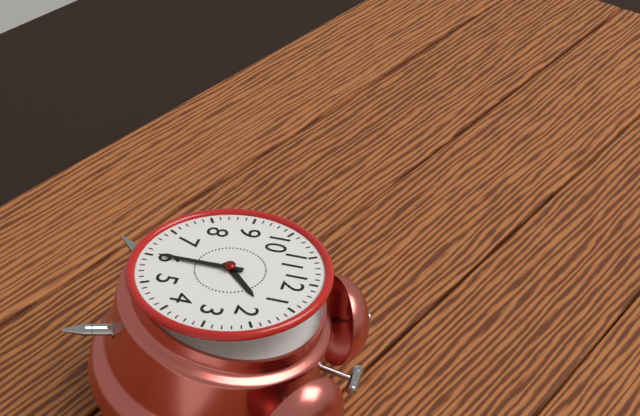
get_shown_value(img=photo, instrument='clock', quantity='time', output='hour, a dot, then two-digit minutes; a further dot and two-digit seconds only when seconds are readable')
1.30
